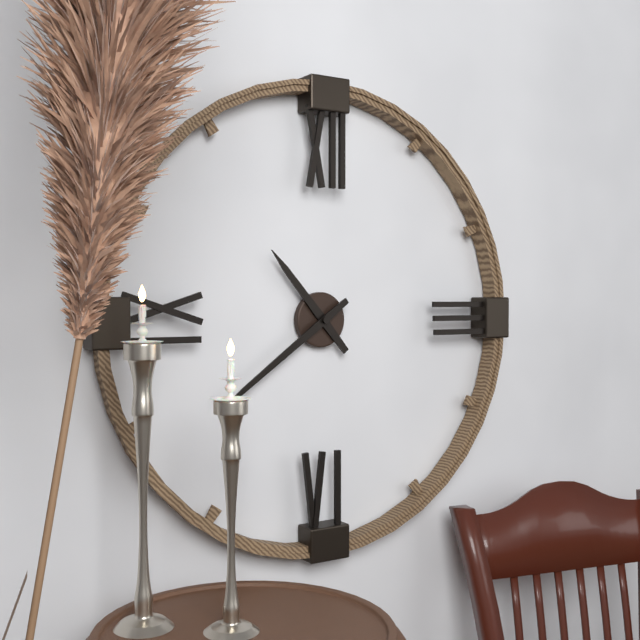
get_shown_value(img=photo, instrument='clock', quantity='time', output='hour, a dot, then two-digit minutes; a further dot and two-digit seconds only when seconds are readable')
10.39
